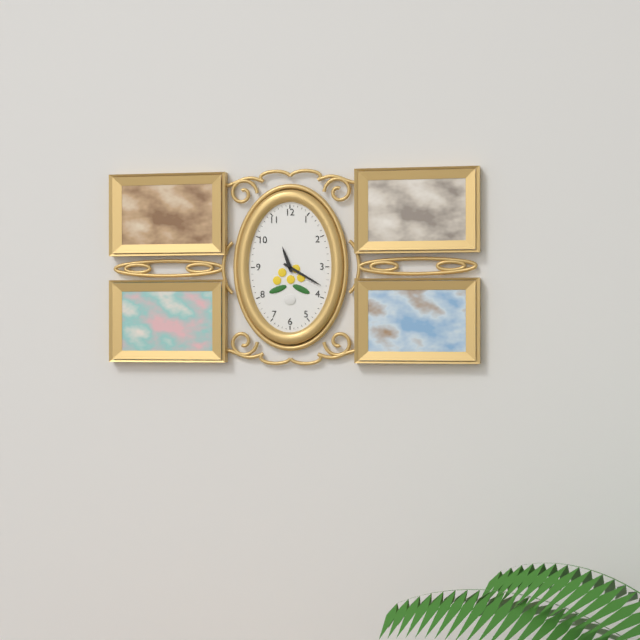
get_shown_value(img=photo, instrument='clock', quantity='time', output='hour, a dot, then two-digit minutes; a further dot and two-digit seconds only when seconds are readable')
11.20
